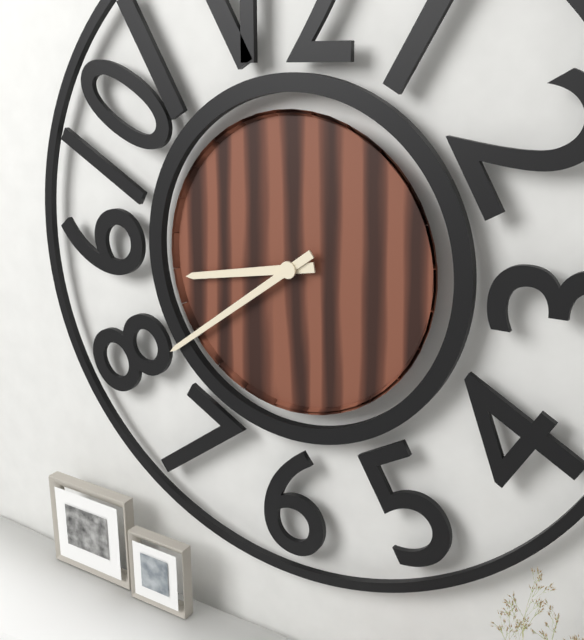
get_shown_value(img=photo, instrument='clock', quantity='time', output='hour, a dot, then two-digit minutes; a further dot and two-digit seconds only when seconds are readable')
8.39
